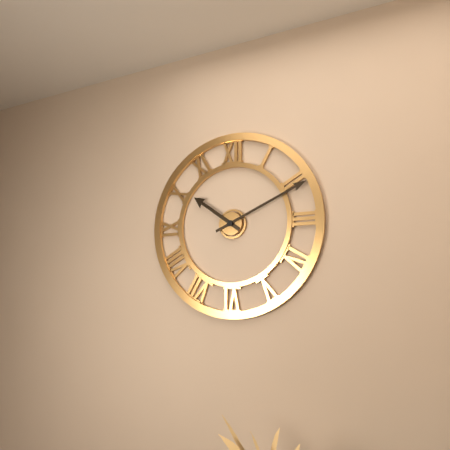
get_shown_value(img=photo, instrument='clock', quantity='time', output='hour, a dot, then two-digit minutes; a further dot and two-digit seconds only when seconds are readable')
10.11
